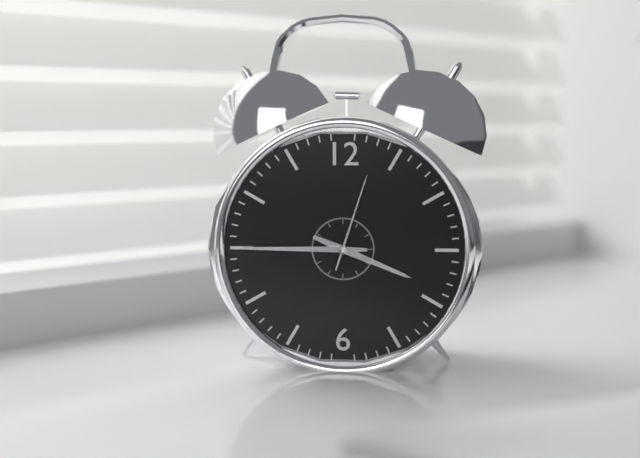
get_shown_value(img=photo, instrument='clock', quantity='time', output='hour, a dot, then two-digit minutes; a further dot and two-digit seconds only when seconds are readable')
3.45.03
